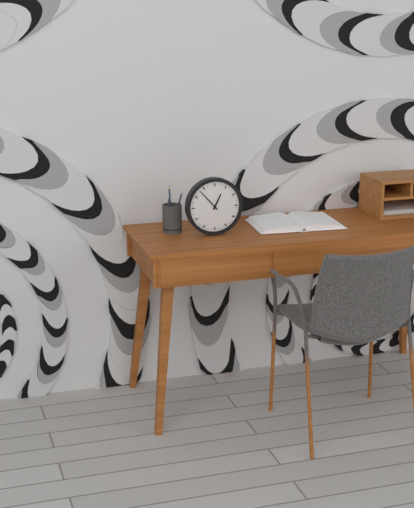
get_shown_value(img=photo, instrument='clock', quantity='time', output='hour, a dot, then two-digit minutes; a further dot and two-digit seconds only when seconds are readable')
12.53
